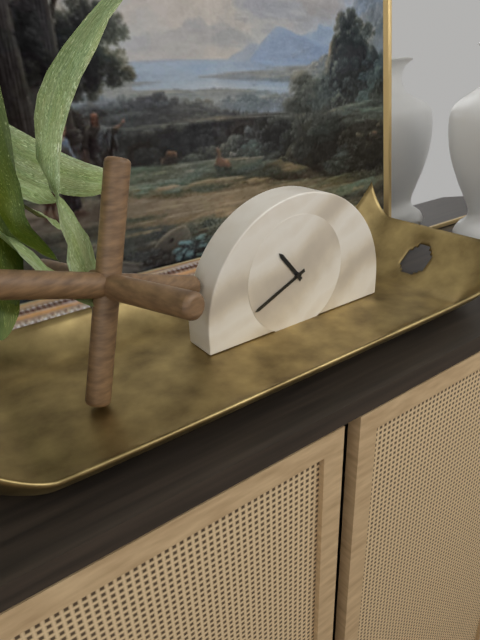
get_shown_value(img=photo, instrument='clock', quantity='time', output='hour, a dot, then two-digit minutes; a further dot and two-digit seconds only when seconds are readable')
10.41
